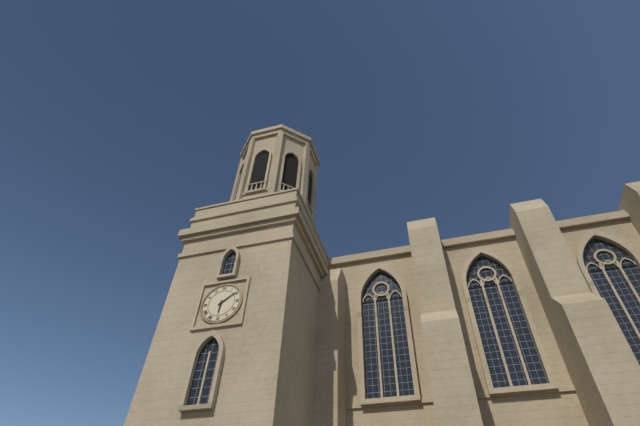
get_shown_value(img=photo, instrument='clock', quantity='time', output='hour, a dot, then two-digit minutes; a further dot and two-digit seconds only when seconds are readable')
6.09
